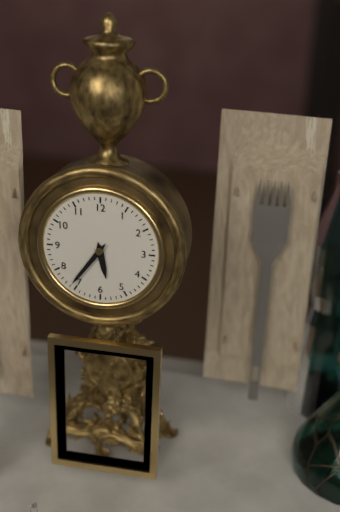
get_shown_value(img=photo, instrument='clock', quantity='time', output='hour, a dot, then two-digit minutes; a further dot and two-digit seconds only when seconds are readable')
5.36
